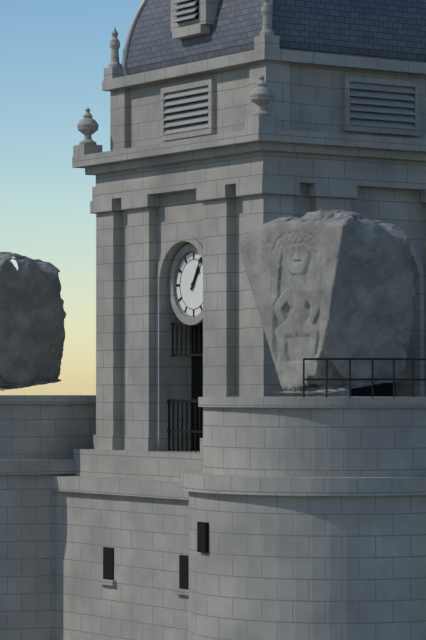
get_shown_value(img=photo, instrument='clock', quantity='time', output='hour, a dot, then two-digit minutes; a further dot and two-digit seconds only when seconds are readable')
1.05
